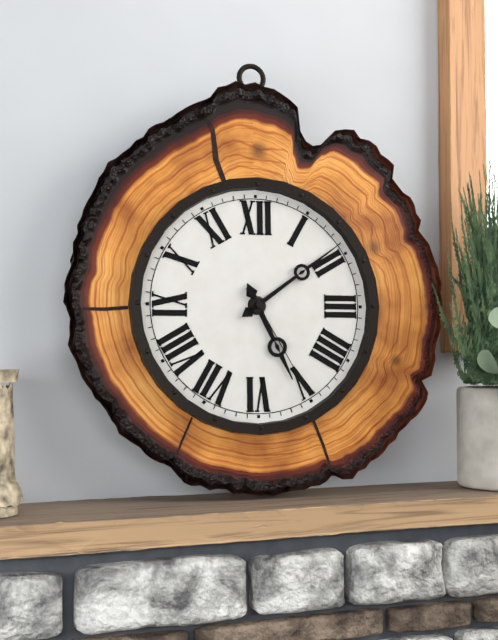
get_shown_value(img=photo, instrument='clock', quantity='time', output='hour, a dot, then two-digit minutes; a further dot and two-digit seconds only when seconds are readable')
5.09.25
